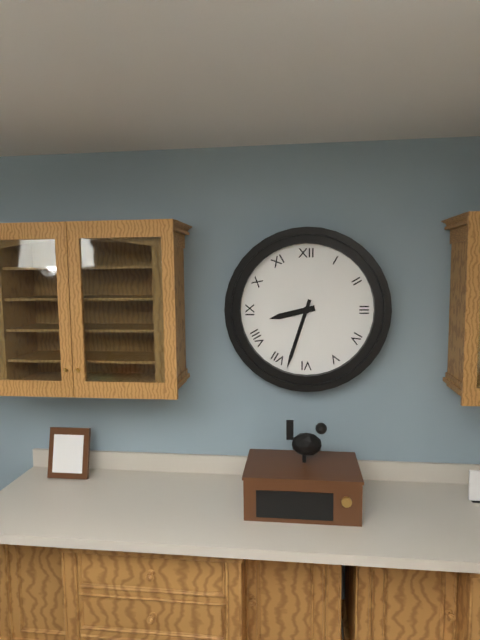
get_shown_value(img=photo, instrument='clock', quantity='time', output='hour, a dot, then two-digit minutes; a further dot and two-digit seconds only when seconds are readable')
8.33
